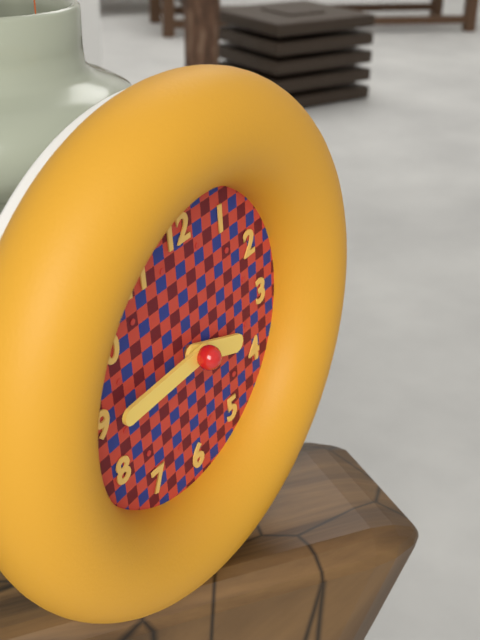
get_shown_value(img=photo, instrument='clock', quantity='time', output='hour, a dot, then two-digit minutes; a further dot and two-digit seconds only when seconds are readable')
3.45
